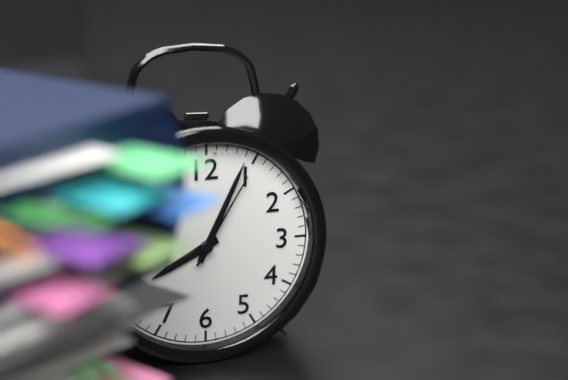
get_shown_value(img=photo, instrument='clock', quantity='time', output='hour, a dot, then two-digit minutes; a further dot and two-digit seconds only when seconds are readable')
8.04.05
